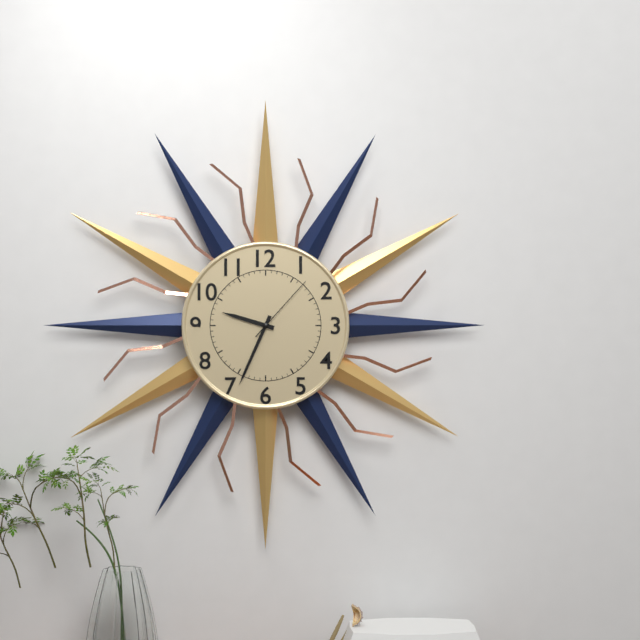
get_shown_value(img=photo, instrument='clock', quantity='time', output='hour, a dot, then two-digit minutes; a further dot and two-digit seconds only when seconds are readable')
9.34.07
